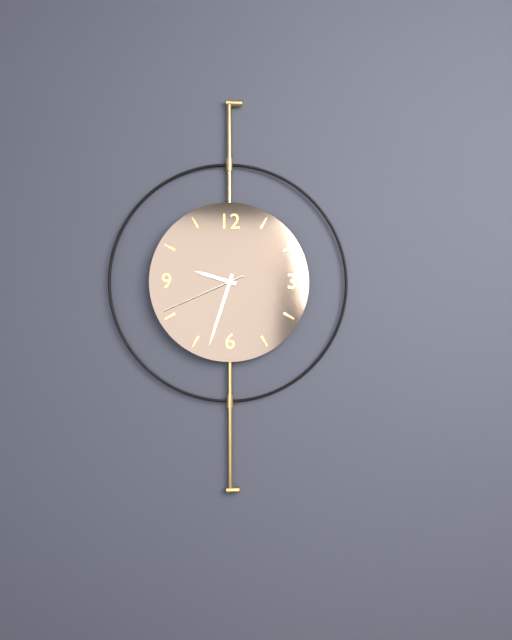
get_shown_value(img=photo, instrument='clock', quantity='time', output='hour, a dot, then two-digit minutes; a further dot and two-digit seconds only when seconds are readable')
9.33.41
